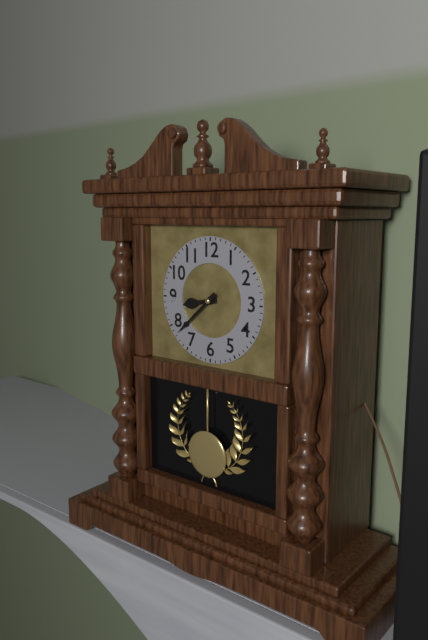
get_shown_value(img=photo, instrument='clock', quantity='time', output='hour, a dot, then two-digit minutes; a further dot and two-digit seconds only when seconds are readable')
8.38
